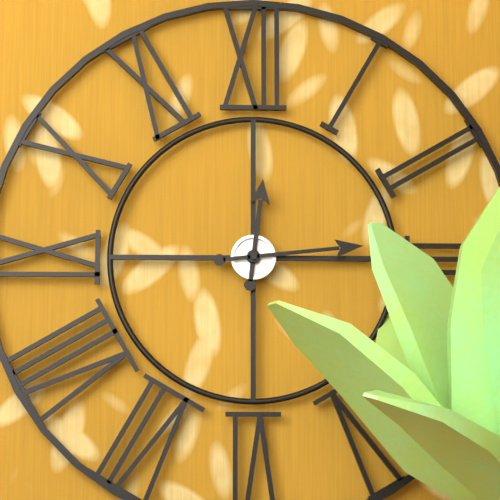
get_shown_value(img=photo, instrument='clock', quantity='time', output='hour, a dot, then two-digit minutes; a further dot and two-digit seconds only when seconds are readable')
12.14
